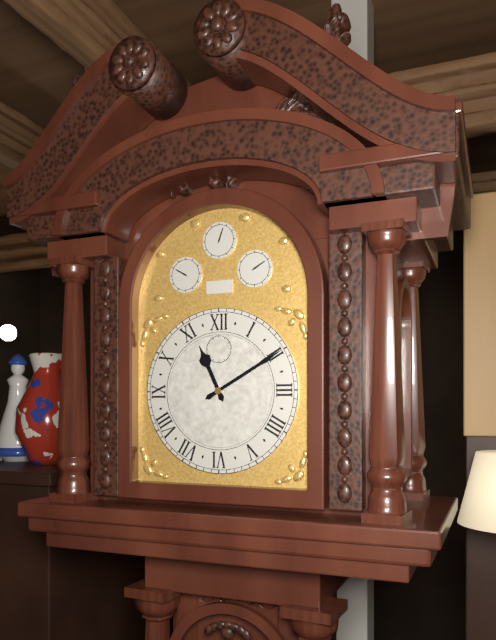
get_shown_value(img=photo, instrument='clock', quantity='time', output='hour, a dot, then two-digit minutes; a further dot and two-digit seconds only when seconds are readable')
11.10
